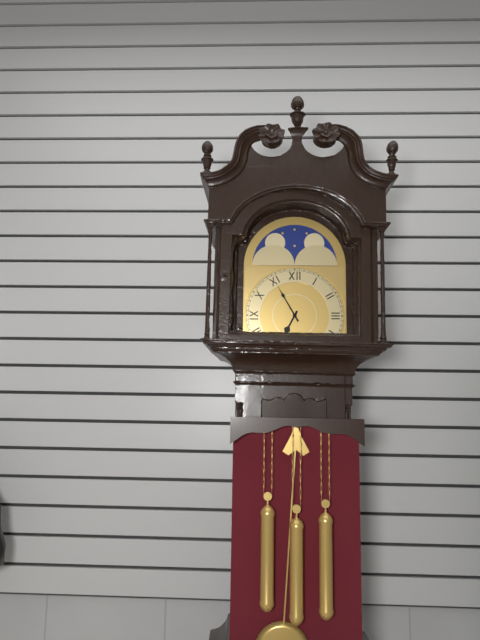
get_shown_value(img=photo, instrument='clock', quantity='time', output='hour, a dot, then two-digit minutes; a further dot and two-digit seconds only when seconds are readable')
6.55
